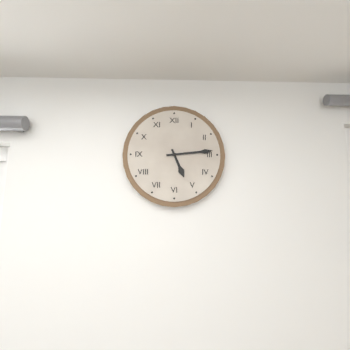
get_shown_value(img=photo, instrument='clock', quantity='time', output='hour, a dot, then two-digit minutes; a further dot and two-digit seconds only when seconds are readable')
5.14
